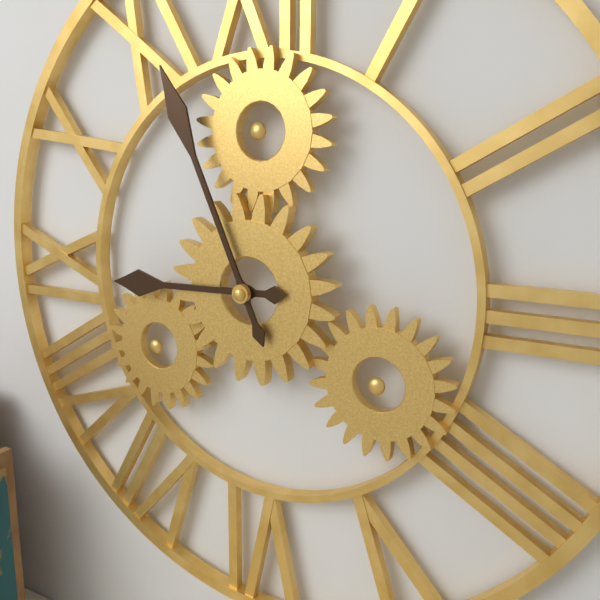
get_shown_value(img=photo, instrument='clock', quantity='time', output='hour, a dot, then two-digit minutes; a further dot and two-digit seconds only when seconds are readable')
8.56
